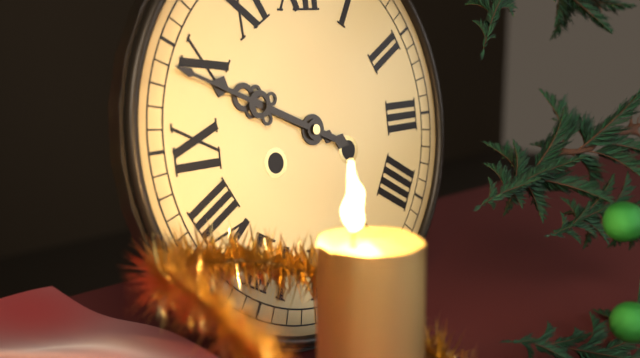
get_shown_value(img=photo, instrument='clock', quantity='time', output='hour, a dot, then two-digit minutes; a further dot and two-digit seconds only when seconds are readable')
9.49
